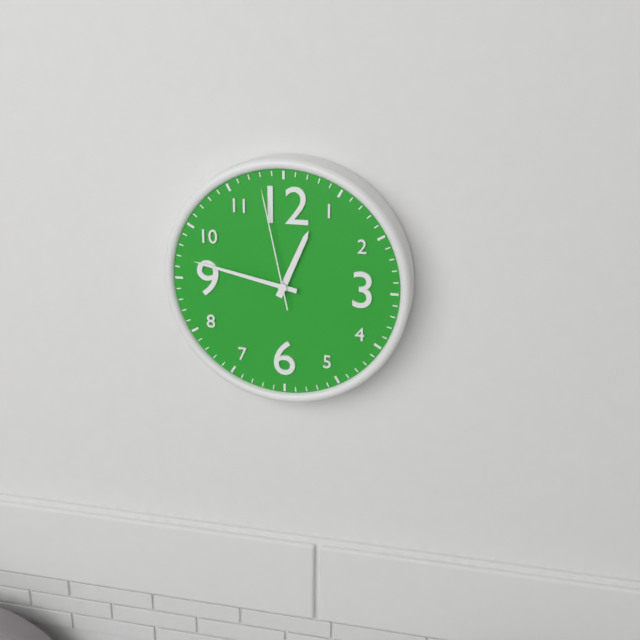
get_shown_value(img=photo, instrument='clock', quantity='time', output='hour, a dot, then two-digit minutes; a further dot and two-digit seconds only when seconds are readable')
12.47.58
